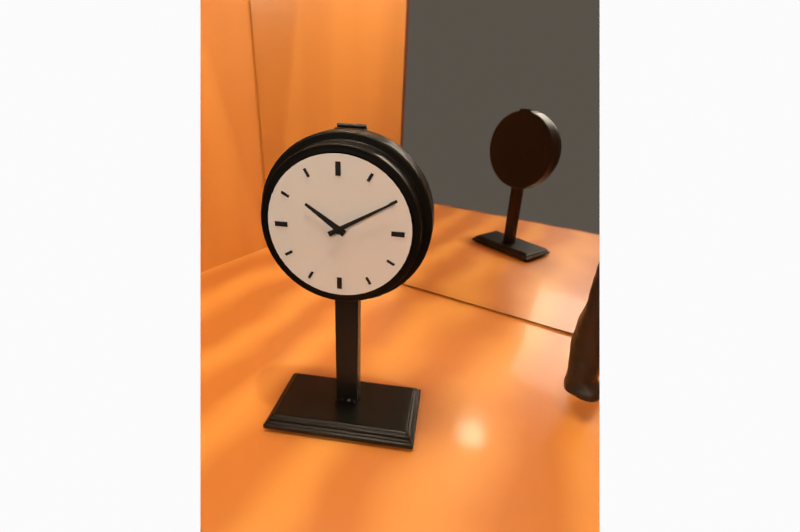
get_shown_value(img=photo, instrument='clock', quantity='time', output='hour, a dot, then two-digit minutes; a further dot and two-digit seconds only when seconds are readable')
10.10
